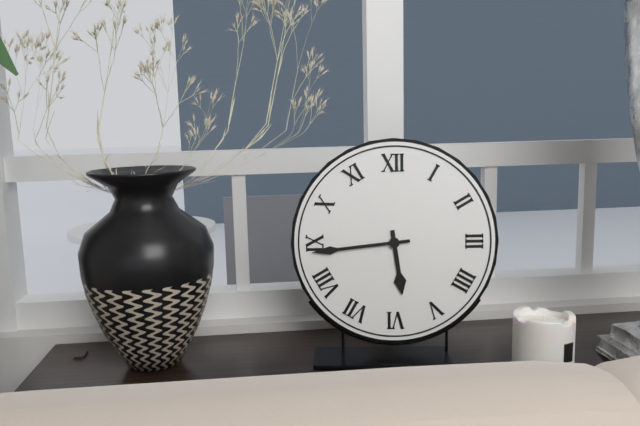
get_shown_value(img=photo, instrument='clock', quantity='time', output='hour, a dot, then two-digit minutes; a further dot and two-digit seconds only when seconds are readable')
5.44
